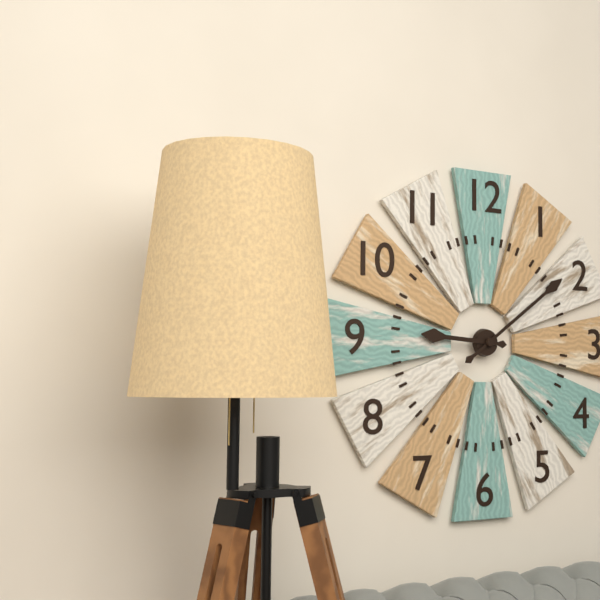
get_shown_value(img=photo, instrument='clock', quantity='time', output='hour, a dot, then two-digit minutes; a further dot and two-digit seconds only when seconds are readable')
9.09
